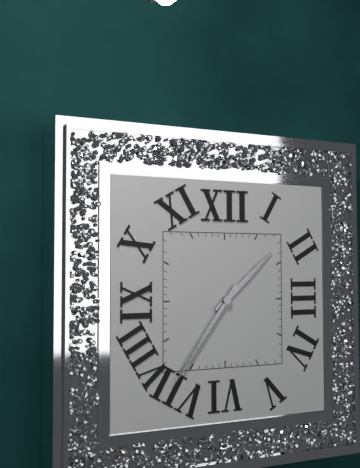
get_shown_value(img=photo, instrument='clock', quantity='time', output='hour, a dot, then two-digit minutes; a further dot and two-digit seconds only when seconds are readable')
1.36
